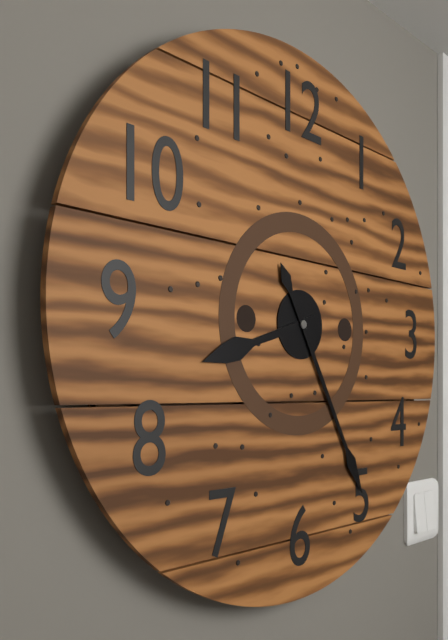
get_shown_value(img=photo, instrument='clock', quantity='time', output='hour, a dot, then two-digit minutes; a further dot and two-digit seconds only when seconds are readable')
8.25
